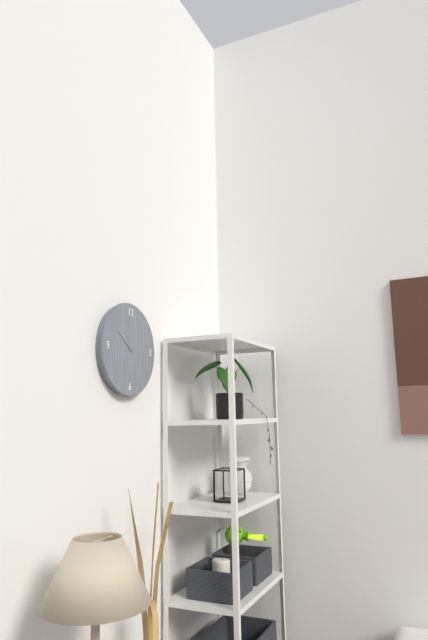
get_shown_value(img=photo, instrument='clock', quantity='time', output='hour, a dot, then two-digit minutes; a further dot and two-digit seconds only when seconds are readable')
11.51
